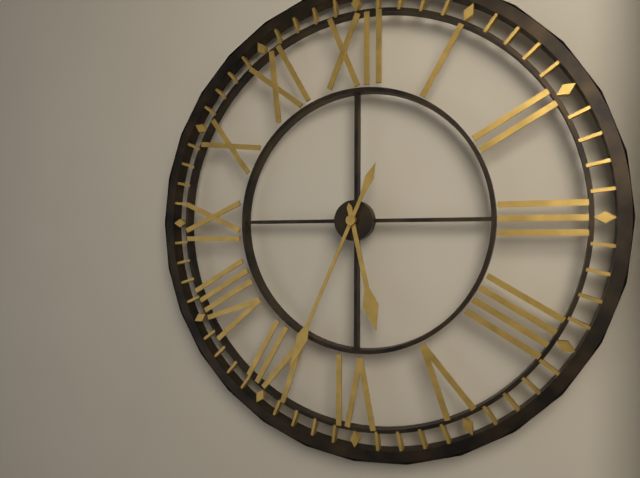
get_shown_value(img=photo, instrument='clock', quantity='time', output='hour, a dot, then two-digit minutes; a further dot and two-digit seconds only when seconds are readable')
5.34
